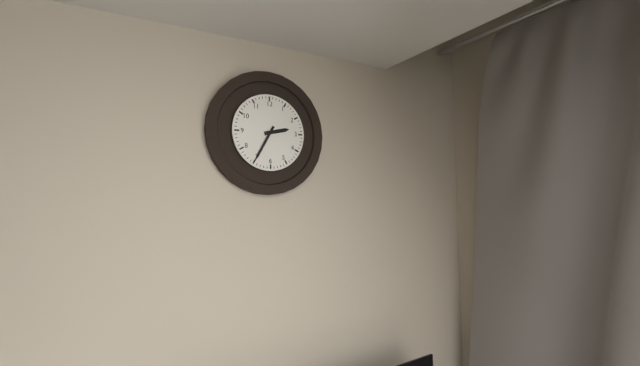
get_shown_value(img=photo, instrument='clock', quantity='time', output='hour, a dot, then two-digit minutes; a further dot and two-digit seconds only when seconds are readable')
2.35
